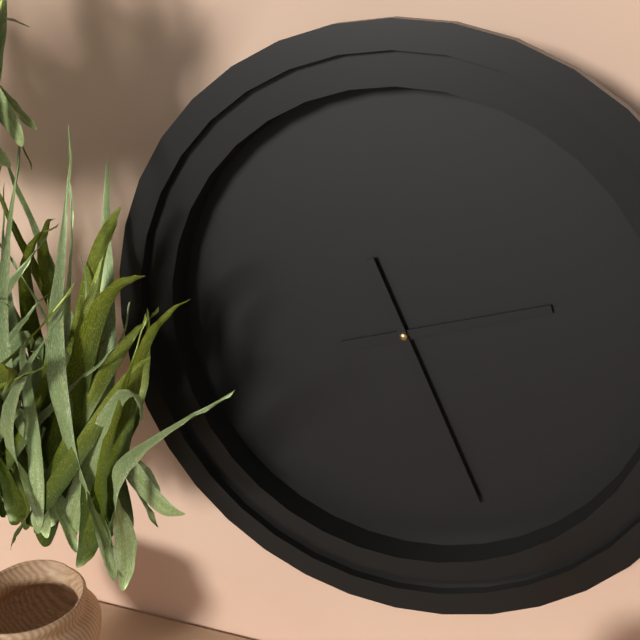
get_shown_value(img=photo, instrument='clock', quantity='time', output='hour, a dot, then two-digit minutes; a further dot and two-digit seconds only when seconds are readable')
2.26
